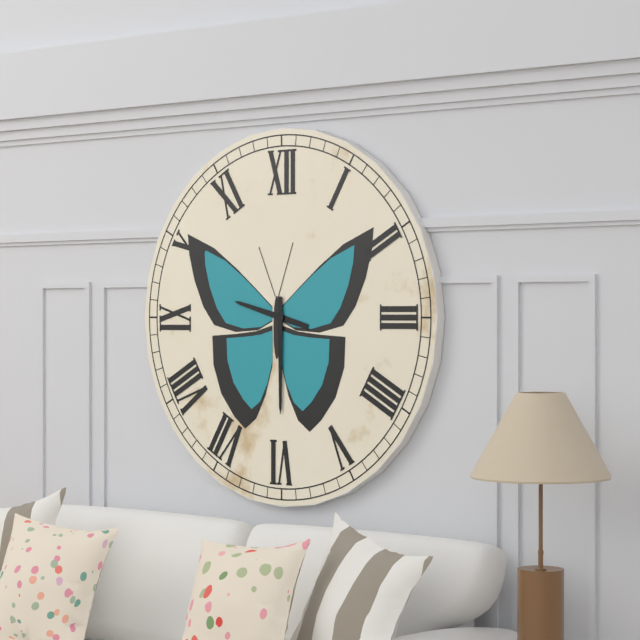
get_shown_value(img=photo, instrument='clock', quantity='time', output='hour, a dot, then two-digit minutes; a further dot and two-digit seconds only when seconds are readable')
9.30
